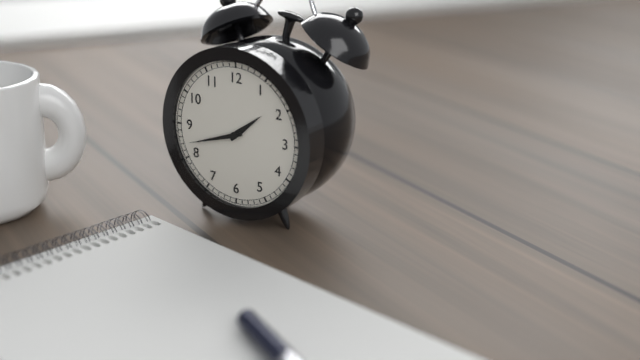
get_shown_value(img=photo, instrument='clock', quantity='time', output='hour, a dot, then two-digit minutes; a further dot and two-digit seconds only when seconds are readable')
1.42
